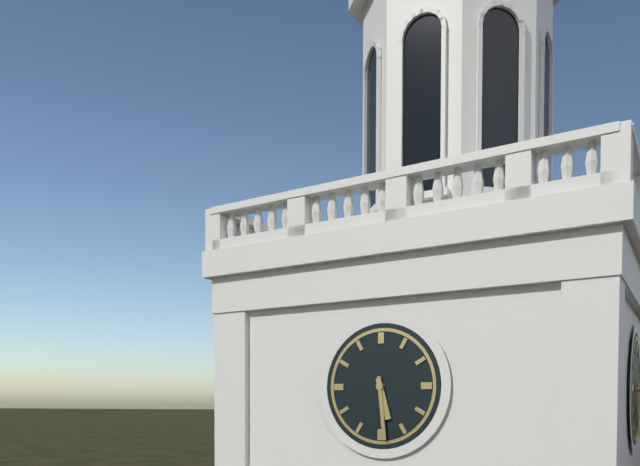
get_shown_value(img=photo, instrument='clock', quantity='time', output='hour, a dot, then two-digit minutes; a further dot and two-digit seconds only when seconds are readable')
5.29
